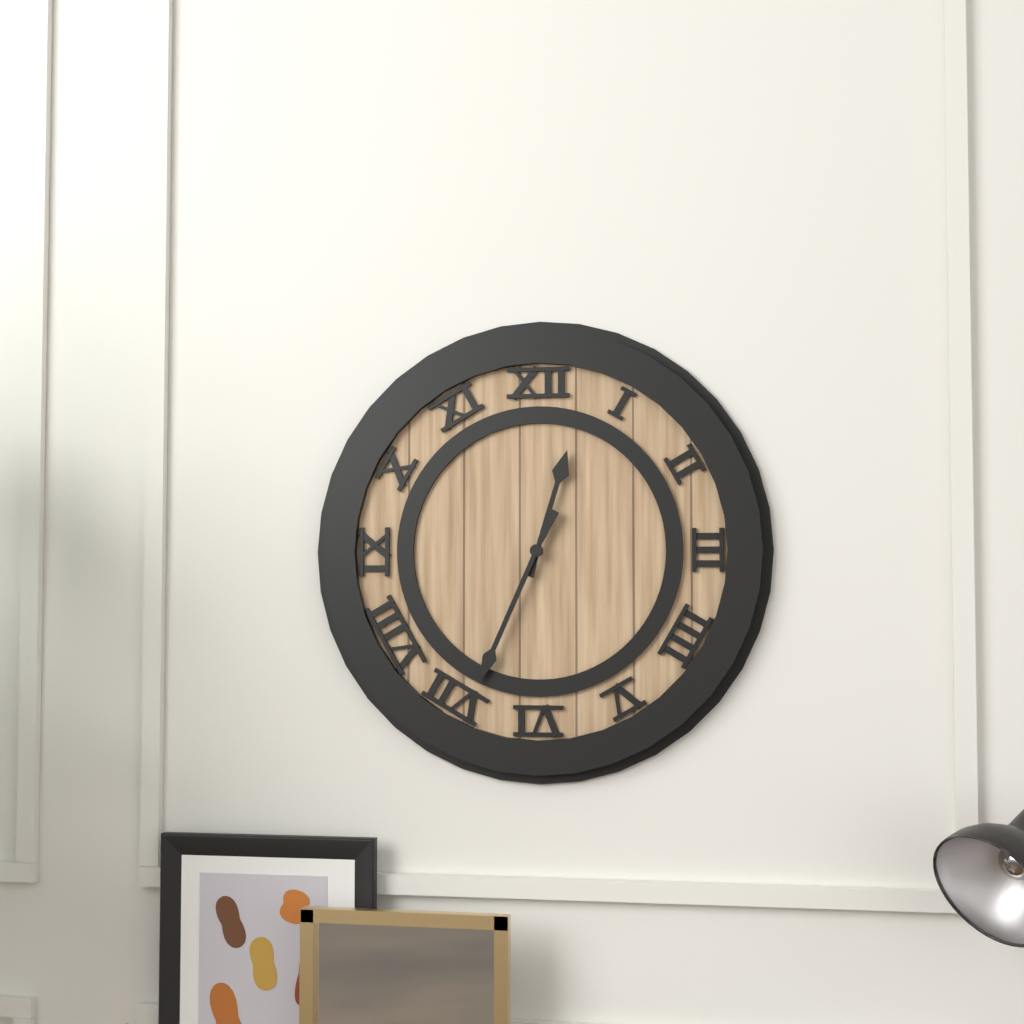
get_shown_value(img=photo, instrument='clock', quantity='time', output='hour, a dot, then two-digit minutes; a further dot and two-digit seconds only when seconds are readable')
12.34
